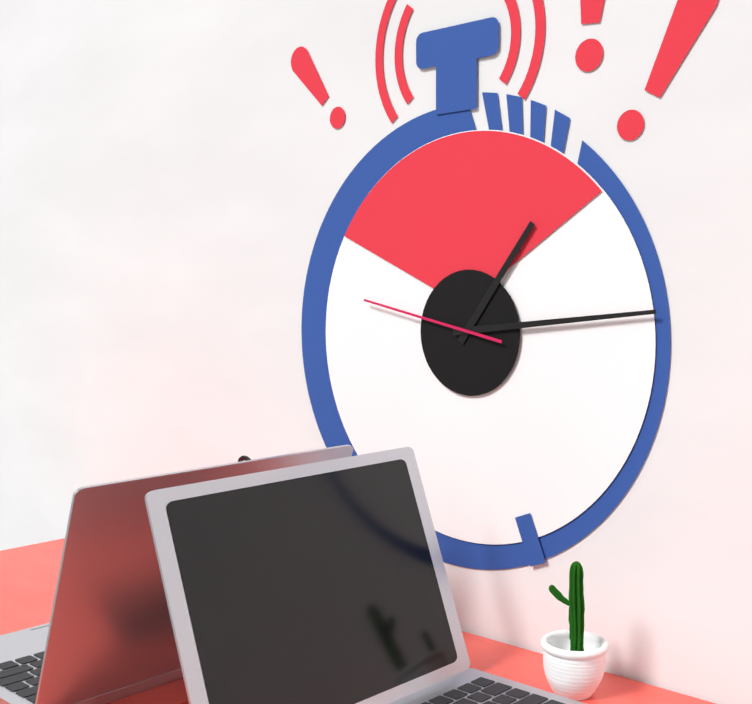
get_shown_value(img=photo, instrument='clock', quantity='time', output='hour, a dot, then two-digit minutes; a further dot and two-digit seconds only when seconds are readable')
1.14.47
